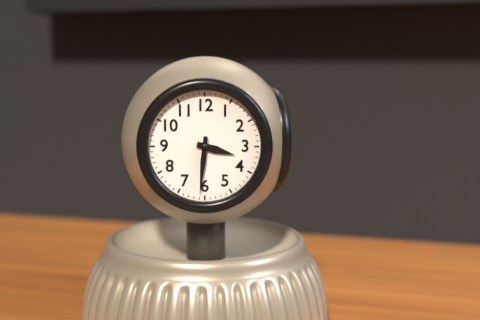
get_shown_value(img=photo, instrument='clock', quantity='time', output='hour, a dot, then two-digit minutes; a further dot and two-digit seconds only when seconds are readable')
3.31
